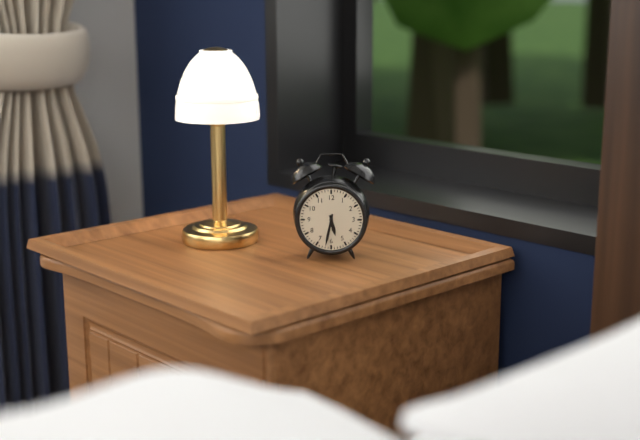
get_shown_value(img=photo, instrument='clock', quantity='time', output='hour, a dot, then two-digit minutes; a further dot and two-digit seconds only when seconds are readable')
5.32
